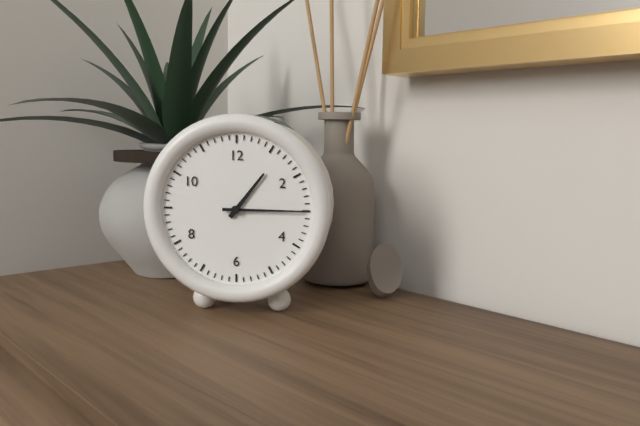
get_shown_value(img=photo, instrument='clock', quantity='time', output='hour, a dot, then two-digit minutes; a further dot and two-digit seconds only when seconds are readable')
1.15
